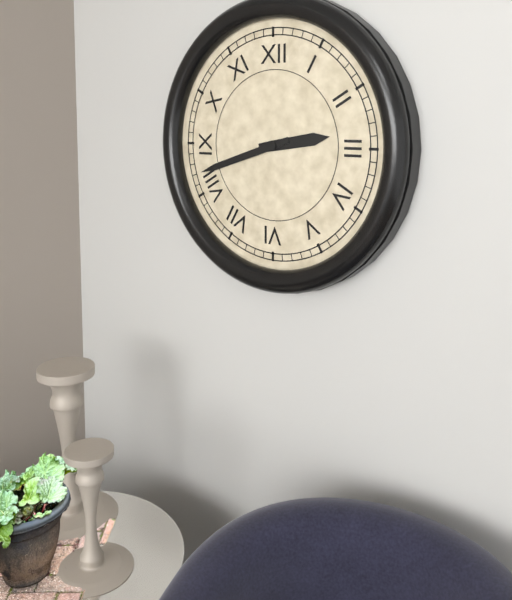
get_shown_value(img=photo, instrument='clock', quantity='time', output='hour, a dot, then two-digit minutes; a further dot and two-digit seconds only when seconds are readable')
2.42
